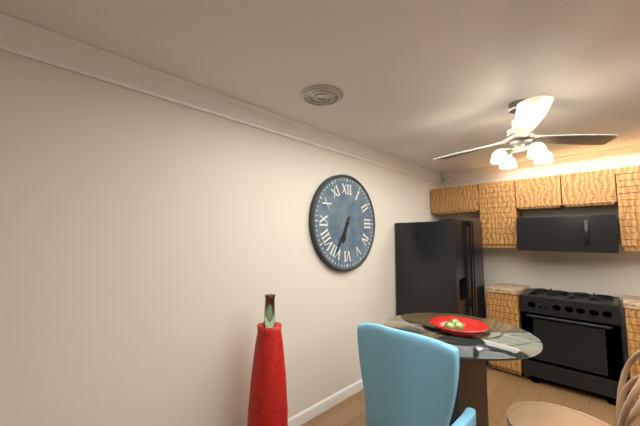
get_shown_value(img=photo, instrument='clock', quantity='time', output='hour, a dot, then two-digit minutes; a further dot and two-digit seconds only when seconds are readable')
6.35
